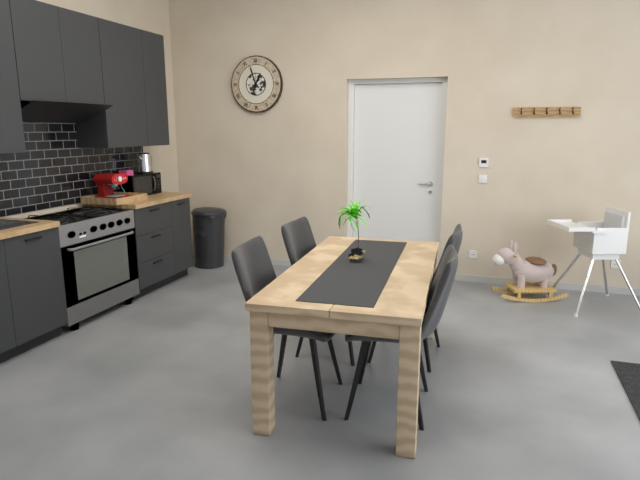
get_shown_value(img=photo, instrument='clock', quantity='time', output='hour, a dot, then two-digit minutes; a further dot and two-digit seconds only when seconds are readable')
12.57
